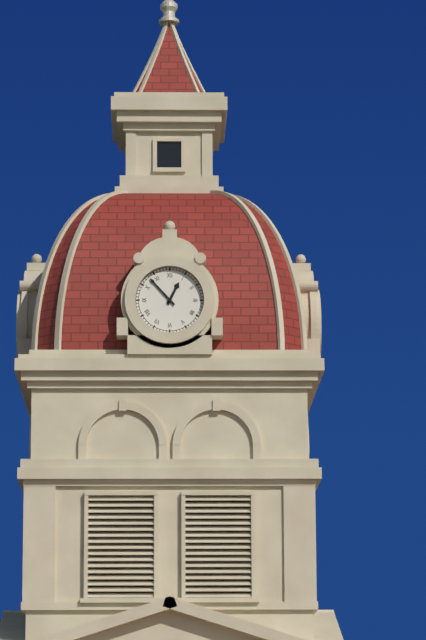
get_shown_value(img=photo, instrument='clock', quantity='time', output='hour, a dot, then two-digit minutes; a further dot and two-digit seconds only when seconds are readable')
12.53
